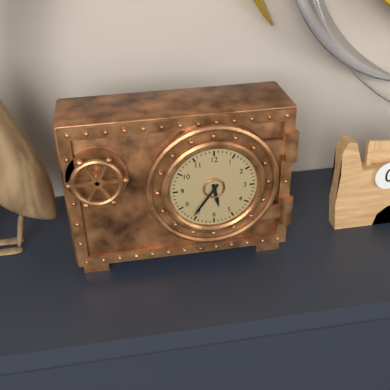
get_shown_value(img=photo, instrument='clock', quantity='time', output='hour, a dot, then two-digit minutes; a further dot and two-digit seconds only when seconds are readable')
5.36
